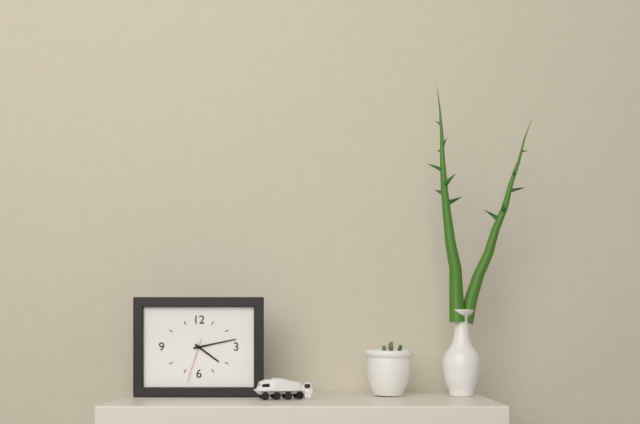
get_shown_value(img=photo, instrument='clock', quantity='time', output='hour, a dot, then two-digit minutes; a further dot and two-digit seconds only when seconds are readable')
4.13
